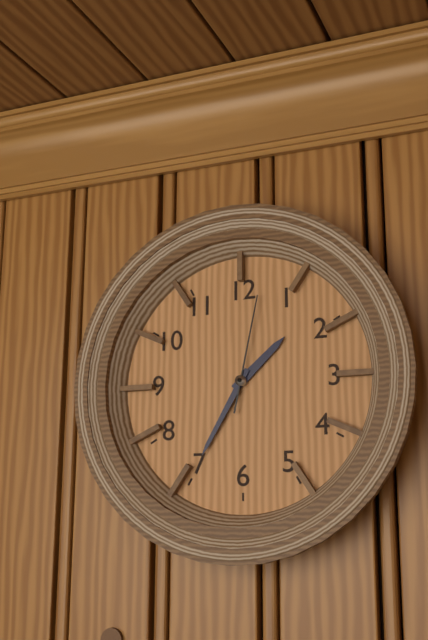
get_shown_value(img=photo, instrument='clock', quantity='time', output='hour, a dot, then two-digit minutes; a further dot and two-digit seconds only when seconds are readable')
1.35.02
